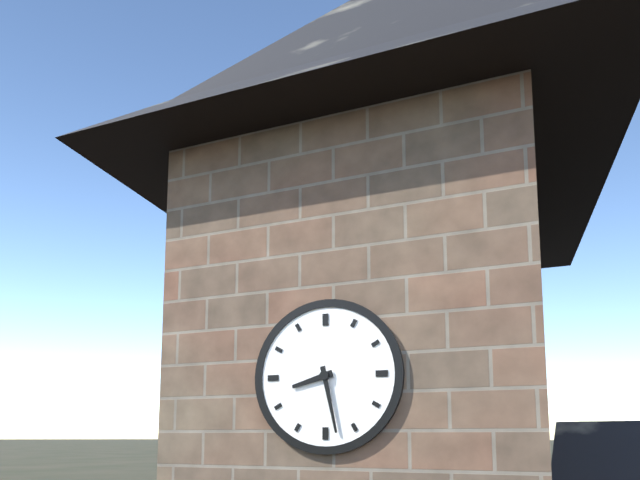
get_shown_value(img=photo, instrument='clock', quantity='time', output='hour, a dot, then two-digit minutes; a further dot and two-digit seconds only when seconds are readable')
8.28
